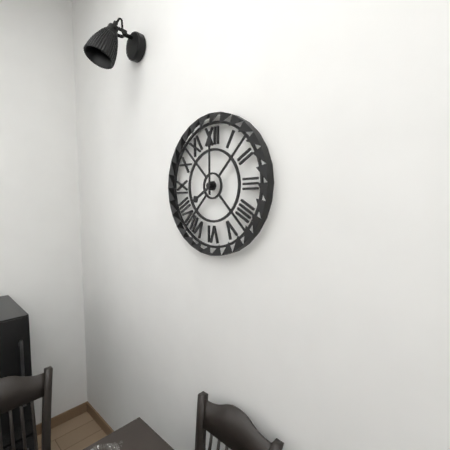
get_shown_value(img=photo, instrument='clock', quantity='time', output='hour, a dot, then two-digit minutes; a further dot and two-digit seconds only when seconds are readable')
8.00
